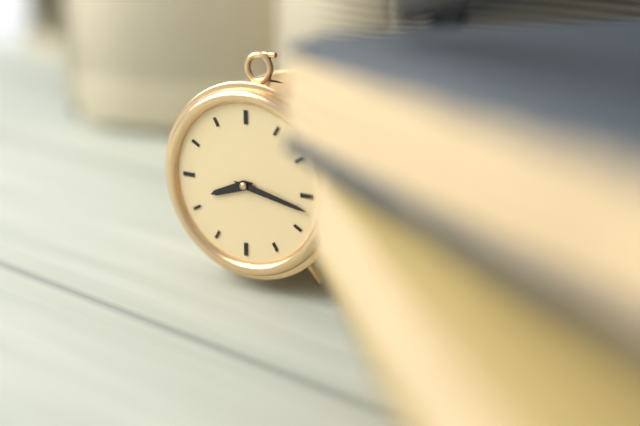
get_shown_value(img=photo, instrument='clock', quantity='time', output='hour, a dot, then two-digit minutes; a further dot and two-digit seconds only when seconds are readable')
8.17
